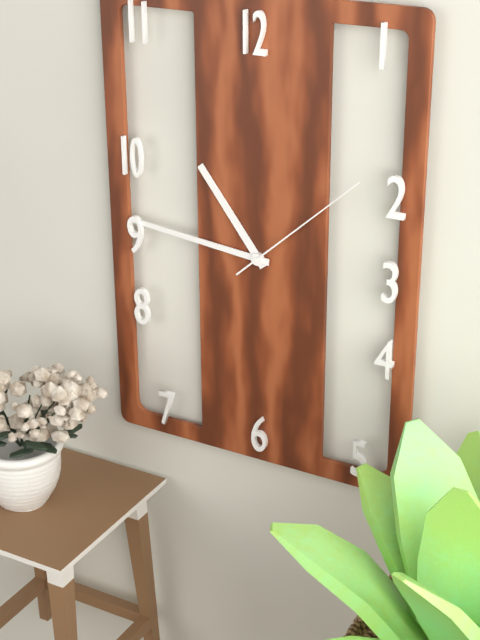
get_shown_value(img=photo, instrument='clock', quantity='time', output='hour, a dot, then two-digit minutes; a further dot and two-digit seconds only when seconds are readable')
10.46.08
